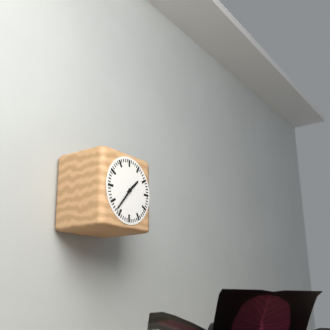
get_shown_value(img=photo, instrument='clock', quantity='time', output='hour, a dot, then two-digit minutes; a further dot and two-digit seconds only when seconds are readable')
1.37
